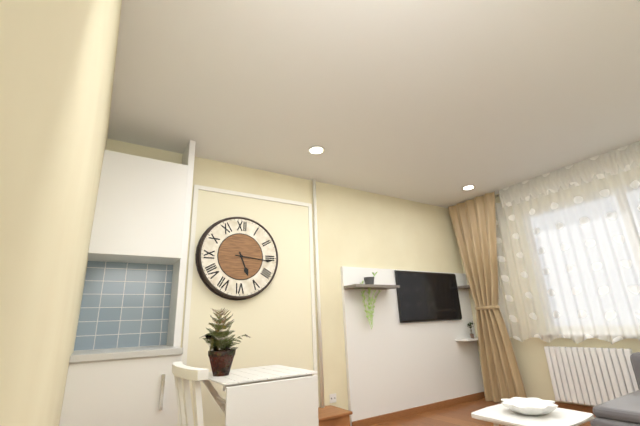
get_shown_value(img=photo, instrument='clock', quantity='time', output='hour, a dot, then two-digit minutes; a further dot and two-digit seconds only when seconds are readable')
5.16
